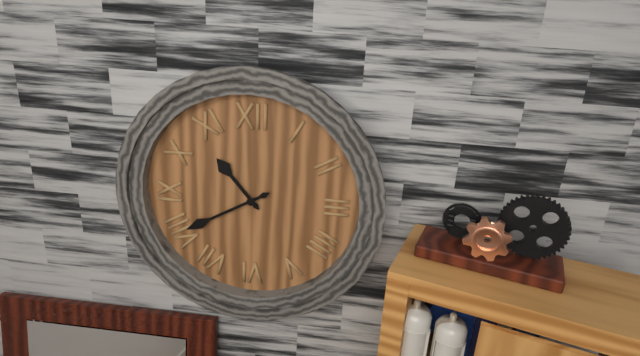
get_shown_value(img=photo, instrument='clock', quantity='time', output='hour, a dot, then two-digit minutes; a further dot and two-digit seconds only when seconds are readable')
10.40
